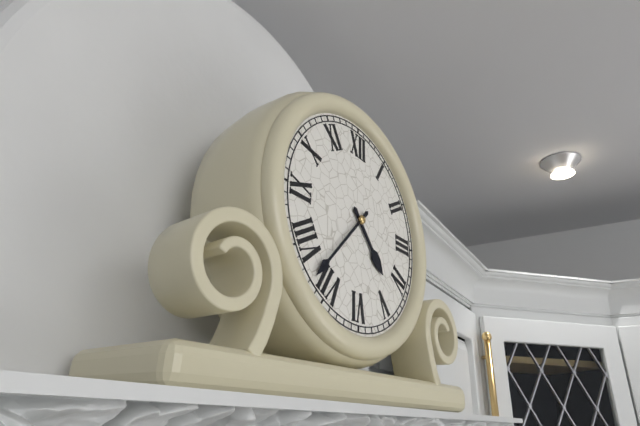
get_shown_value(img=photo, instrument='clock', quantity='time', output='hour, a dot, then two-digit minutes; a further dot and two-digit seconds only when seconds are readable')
4.37
